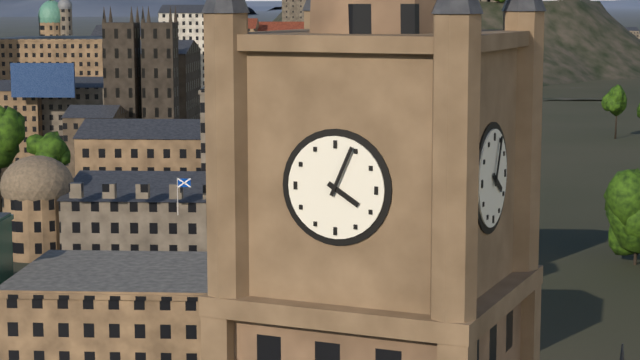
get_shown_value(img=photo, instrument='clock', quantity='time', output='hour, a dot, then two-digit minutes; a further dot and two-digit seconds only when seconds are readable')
4.04
